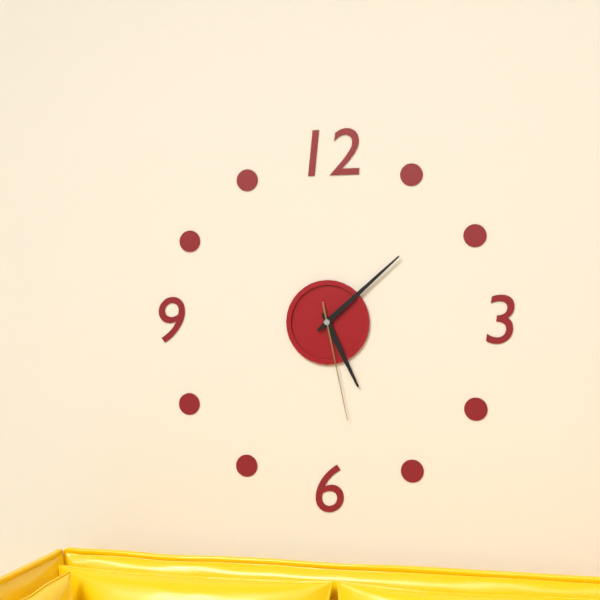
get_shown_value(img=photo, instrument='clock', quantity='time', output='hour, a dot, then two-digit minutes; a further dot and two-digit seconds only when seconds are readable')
5.08.28
